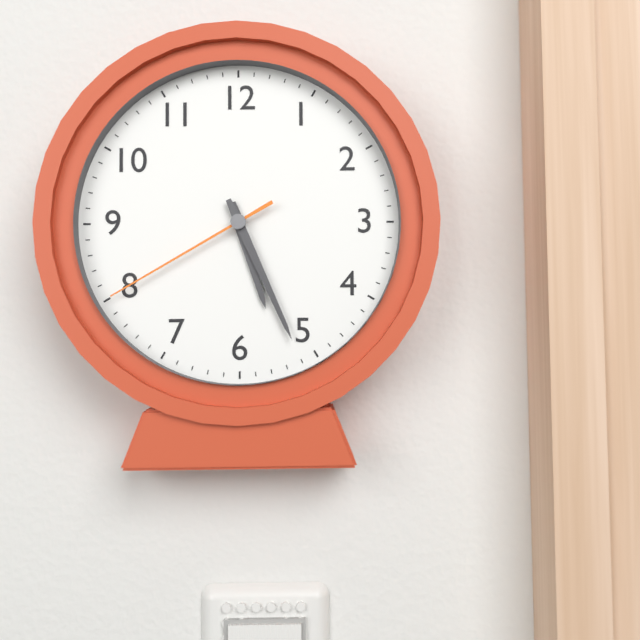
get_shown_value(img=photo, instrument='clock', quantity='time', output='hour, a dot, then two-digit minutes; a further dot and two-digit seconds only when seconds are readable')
5.26.40
